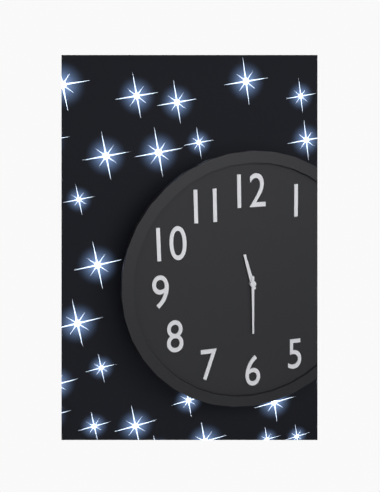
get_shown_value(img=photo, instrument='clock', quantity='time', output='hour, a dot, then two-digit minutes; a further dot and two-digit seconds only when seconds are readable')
11.30
